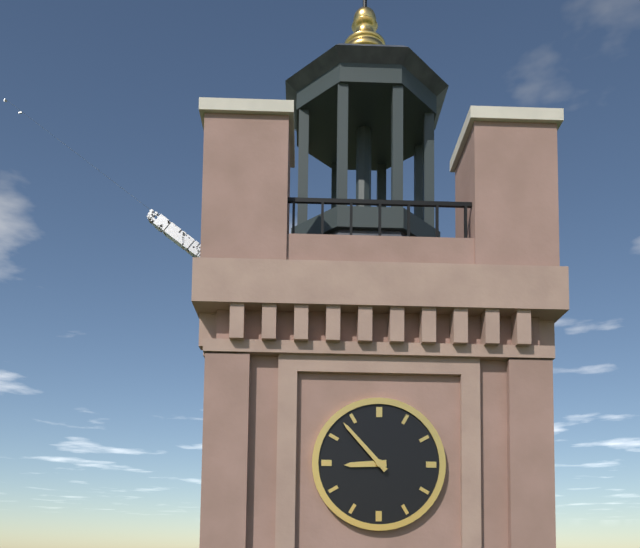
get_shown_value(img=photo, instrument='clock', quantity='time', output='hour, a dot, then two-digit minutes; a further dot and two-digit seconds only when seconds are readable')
8.53
